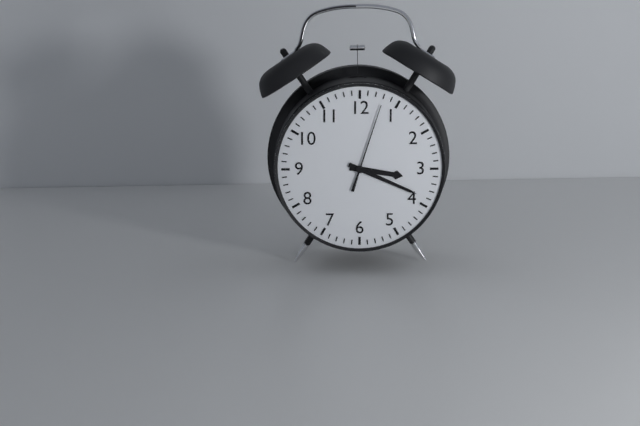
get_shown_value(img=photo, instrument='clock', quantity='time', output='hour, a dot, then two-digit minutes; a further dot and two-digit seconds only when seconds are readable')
3.19.03
